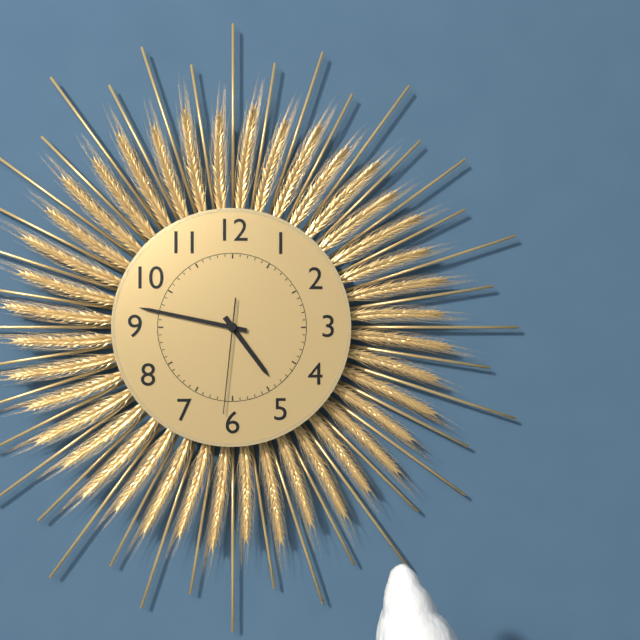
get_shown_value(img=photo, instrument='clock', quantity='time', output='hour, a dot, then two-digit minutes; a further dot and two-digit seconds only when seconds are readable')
4.47.31
